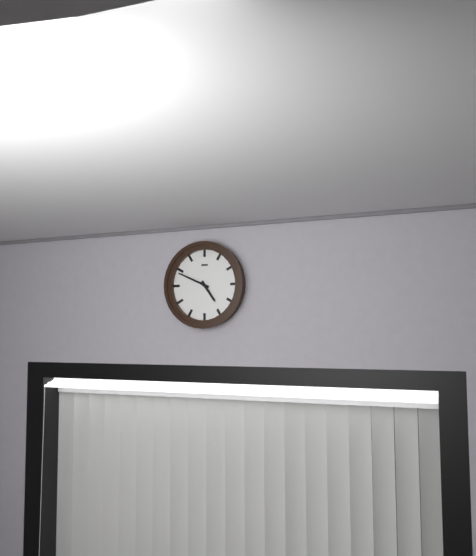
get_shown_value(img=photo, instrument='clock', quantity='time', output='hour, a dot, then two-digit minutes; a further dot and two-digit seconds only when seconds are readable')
4.49
